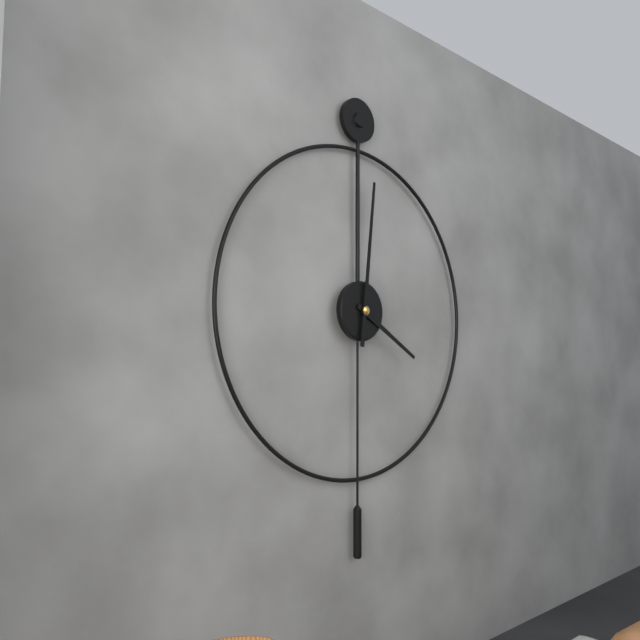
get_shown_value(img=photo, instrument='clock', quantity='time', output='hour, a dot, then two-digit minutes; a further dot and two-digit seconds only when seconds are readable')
4.01
